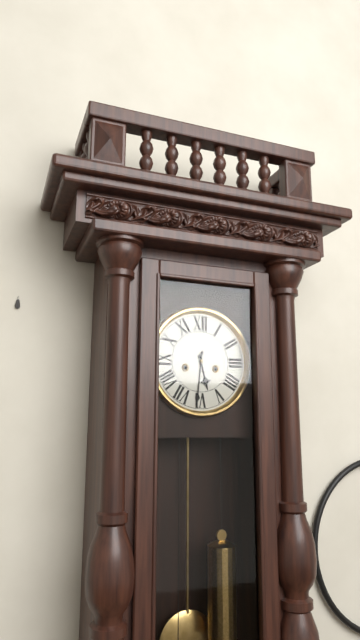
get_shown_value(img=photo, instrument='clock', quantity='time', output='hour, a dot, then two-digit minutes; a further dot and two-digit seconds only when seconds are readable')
5.31
